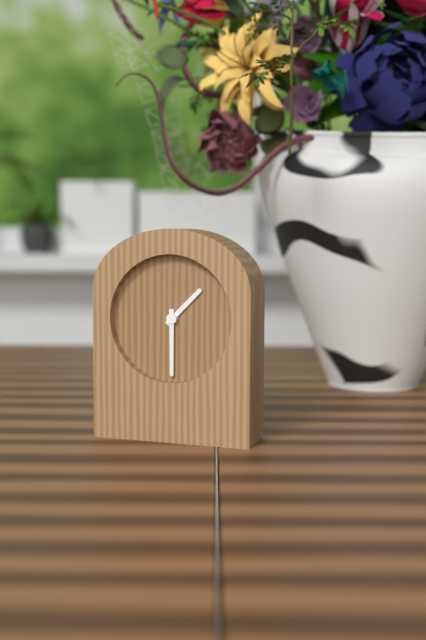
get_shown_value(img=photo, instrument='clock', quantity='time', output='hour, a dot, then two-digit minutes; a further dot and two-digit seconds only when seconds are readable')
1.30
